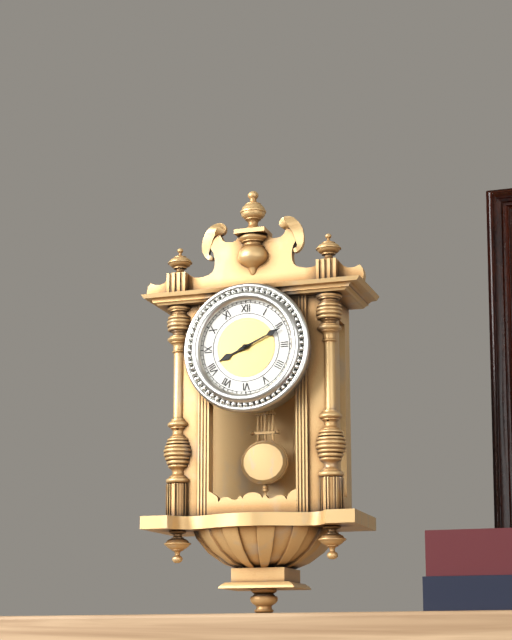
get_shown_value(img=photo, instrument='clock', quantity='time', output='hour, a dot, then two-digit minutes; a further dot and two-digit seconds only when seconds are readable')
8.11
